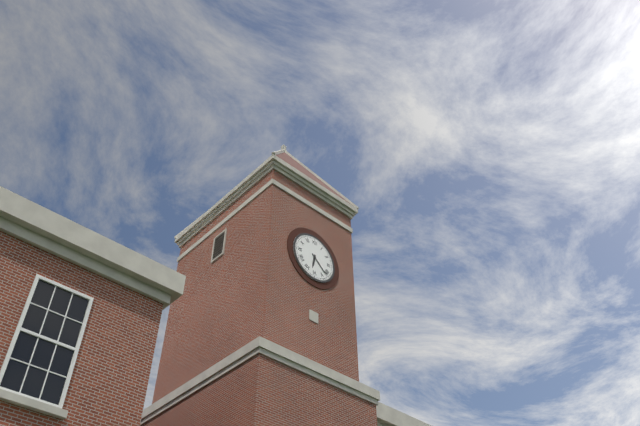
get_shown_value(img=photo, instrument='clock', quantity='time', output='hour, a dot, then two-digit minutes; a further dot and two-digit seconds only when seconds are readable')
6.22
